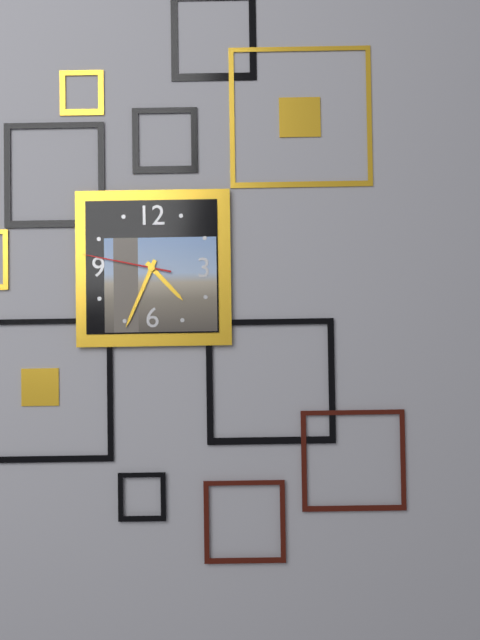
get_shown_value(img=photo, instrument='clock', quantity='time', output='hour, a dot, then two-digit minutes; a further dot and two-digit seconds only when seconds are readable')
4.34.47
